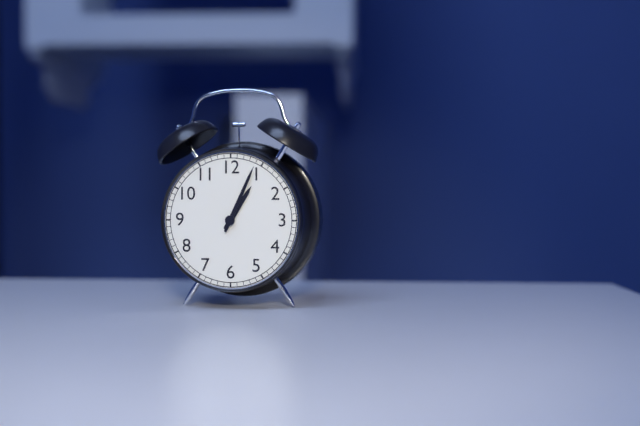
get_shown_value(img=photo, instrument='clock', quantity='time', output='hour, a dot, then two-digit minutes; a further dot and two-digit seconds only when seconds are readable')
1.04
